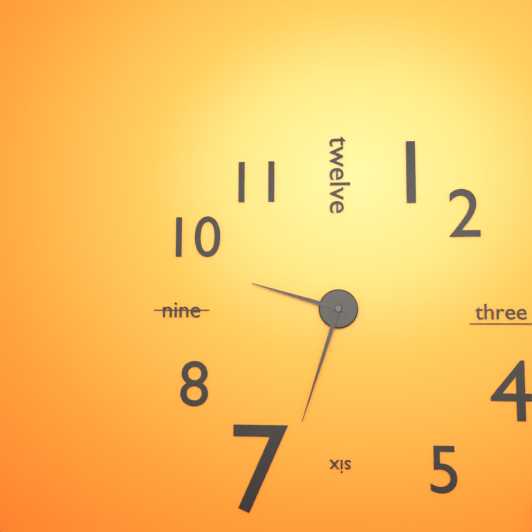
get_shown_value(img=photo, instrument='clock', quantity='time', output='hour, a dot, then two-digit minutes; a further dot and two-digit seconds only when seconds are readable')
9.33
